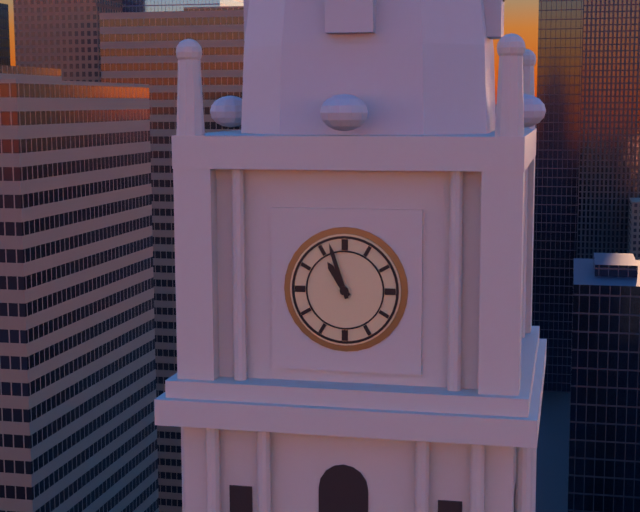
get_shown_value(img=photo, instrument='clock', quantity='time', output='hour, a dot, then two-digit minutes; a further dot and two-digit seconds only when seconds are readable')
10.57
